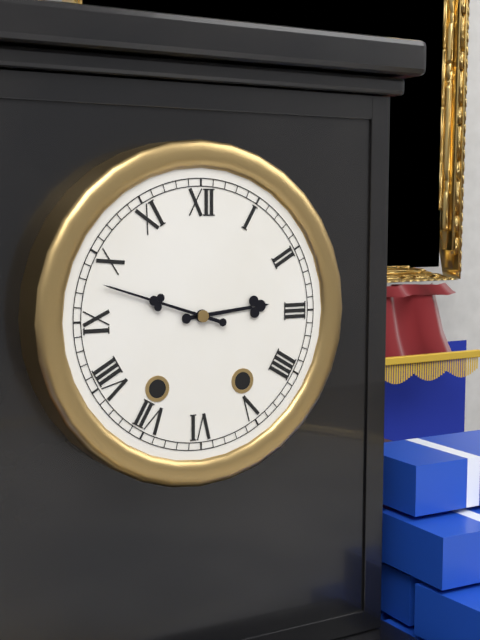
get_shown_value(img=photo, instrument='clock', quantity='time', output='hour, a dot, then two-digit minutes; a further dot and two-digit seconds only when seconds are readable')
2.48
